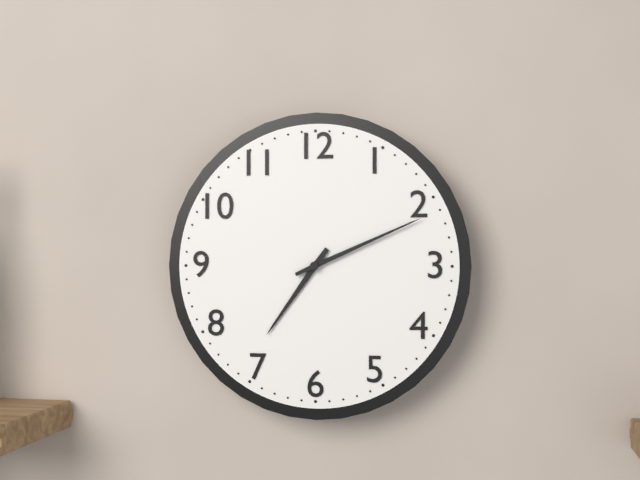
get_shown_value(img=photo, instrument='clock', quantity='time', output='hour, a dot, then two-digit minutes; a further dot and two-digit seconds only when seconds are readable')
7.11
